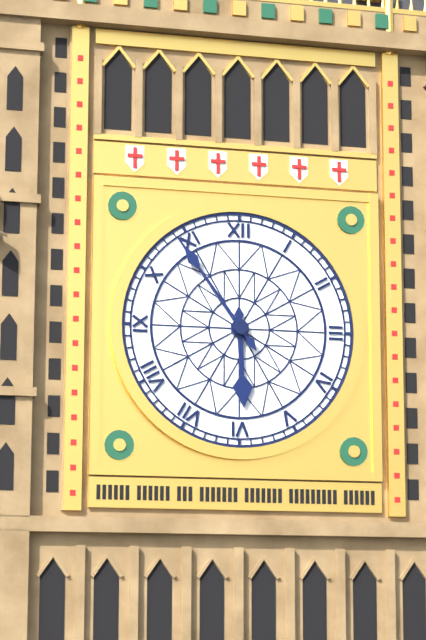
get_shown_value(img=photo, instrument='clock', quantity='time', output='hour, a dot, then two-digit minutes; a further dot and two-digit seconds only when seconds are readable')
5.54
